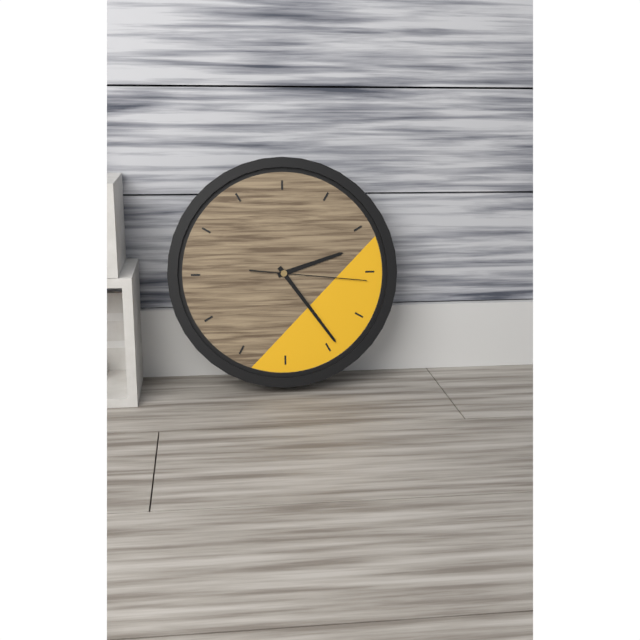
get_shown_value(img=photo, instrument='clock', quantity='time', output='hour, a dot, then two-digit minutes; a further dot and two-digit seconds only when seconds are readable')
2.24.16
